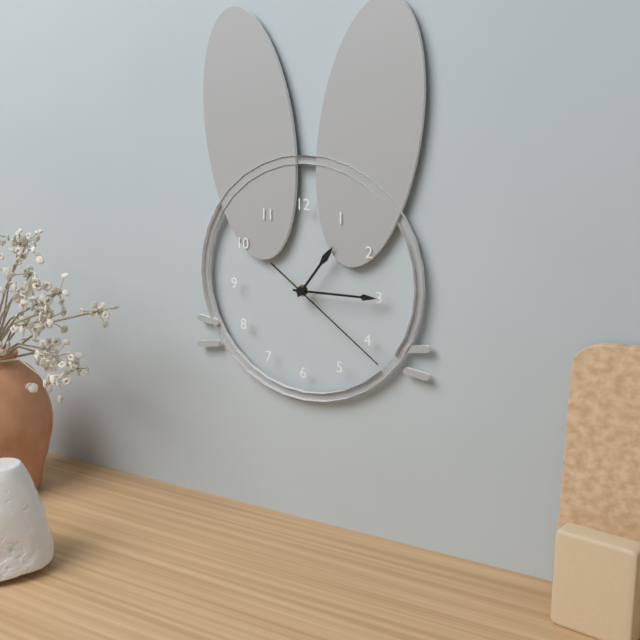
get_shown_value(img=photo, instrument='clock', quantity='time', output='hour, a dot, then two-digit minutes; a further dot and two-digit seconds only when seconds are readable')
1.15.21
